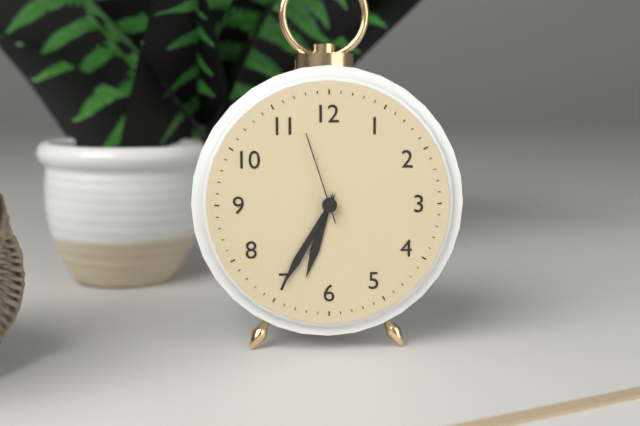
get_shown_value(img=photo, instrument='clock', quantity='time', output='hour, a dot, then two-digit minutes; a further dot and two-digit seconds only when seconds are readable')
6.35.57
